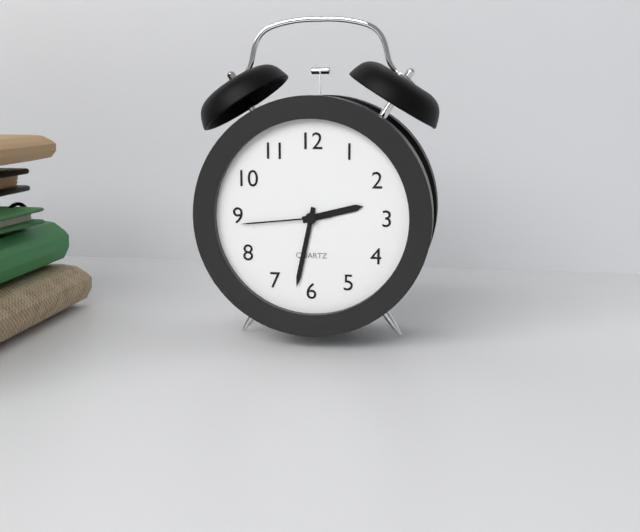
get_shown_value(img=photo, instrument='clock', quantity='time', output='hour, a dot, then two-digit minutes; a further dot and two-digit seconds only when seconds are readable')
2.32.44
